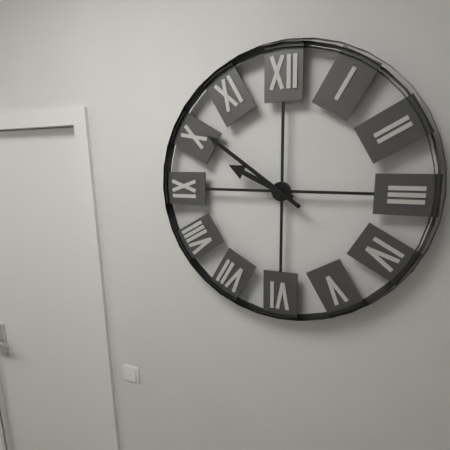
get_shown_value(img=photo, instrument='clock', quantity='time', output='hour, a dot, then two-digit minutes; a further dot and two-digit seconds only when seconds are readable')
9.51
